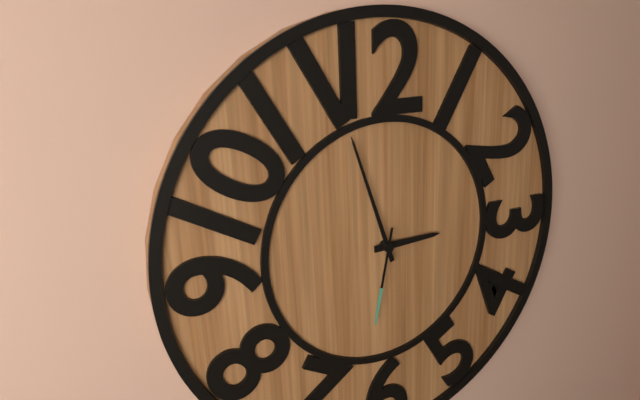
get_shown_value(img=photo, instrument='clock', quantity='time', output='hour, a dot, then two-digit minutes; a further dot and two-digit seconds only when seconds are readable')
2.57.32
